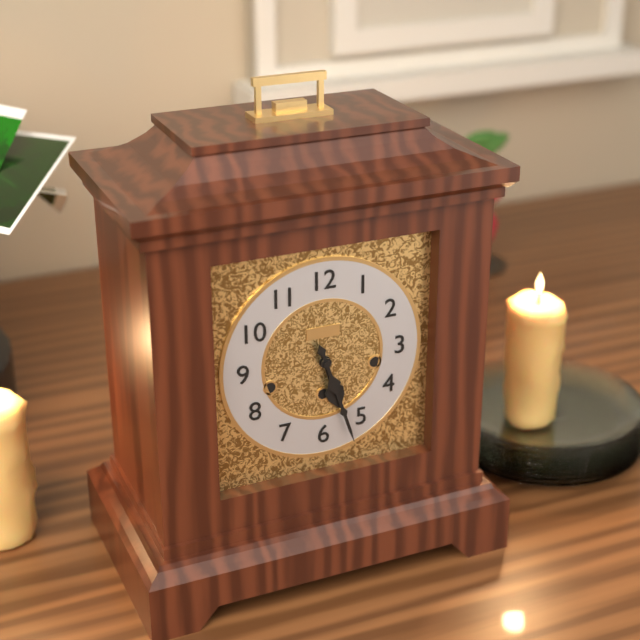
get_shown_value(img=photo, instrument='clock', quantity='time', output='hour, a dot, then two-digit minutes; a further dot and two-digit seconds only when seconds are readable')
5.27
